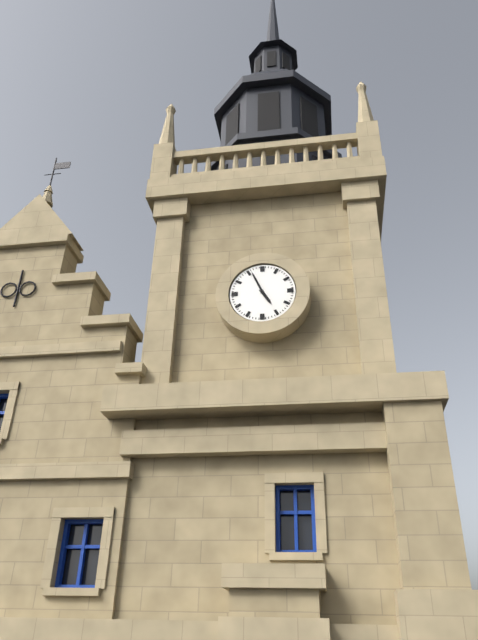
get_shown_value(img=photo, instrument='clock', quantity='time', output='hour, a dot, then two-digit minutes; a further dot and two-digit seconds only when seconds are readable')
4.56
